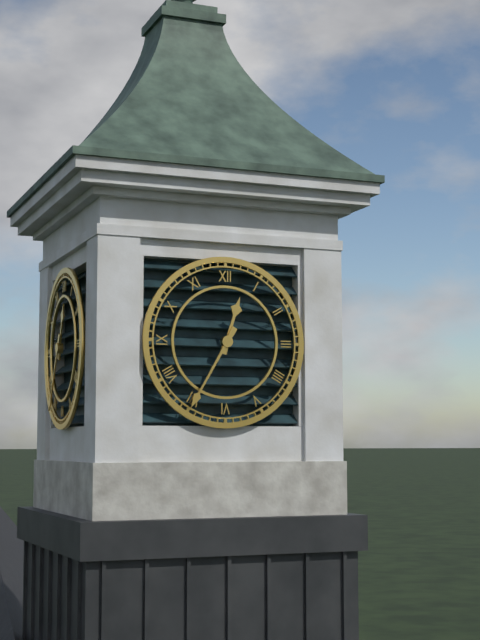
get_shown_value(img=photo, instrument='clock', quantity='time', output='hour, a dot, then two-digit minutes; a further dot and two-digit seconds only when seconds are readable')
12.35
